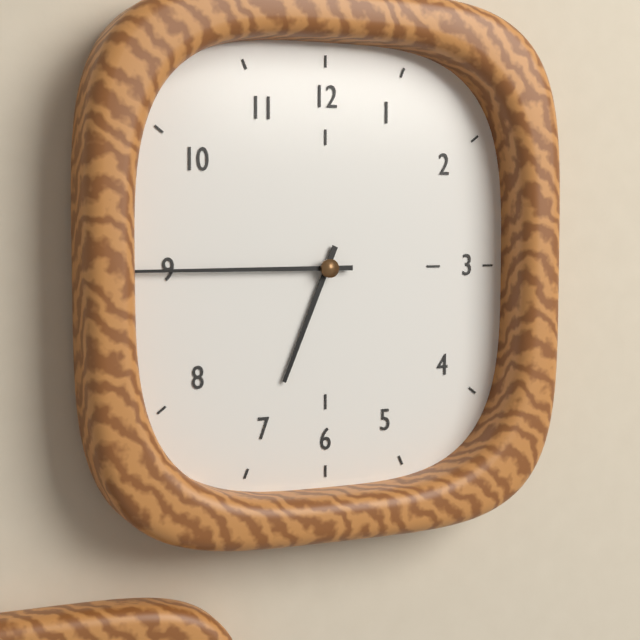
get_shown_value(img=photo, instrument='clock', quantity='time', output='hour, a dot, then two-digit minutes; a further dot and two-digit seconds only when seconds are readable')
6.45
